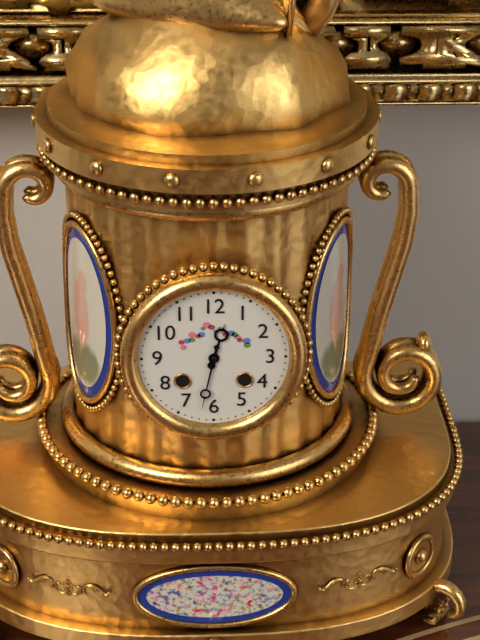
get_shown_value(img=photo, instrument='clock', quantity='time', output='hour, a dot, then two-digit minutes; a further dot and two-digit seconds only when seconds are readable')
12.32
